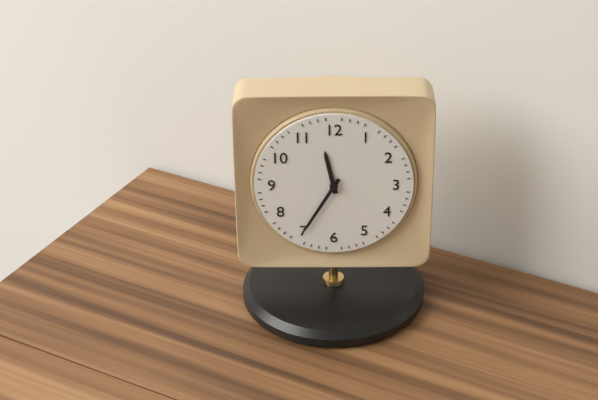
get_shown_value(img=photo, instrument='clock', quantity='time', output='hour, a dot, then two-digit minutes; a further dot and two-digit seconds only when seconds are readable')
11.35
